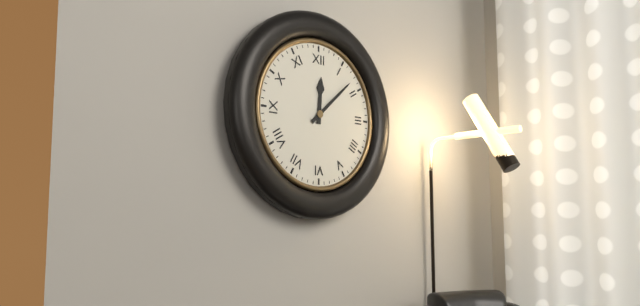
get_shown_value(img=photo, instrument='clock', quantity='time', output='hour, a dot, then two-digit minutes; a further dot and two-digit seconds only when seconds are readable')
12.08
